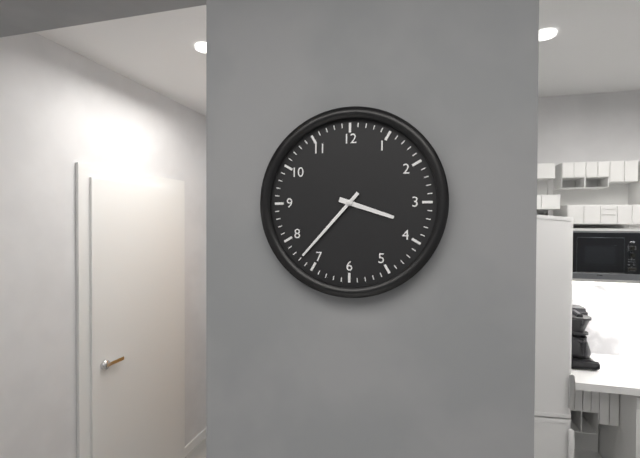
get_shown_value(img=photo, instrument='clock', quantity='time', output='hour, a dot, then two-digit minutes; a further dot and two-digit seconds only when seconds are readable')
3.37
